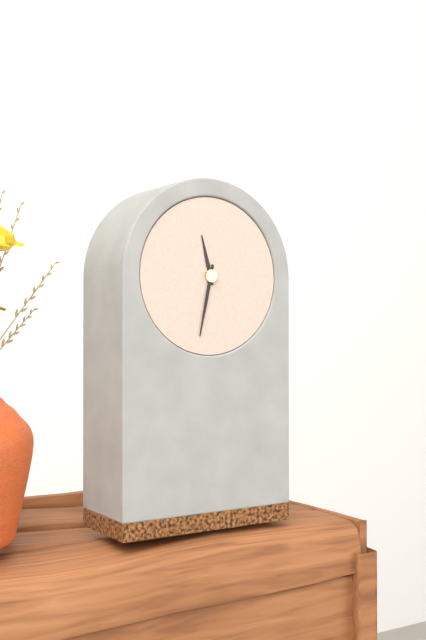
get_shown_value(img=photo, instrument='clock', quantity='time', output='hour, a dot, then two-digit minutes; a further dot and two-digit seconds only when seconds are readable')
11.32
